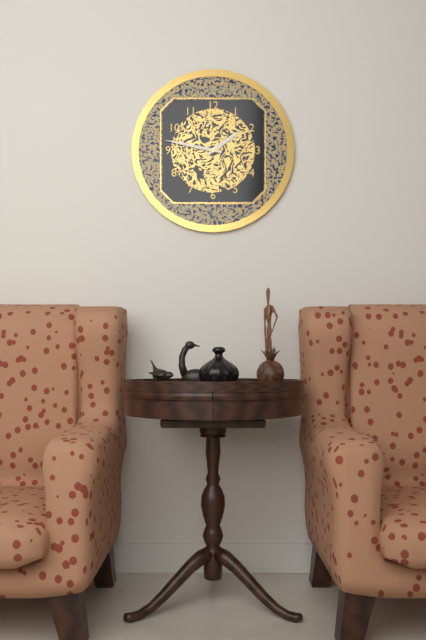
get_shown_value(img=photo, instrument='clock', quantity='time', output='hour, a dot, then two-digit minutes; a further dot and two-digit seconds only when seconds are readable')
1.47
